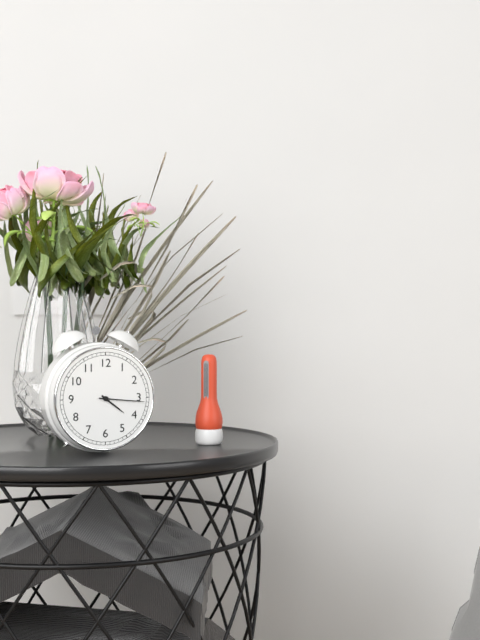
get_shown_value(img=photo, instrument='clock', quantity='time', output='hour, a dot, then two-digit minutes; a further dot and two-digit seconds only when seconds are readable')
4.16
